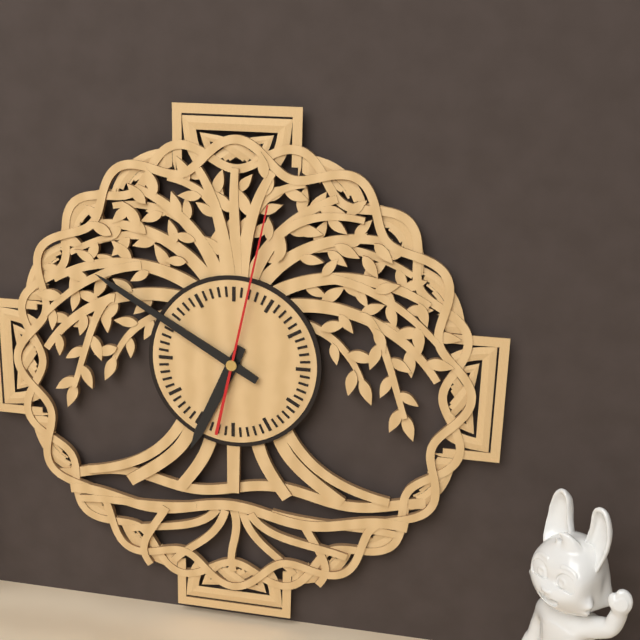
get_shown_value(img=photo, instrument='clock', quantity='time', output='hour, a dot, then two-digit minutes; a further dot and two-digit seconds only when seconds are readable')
6.50.02
